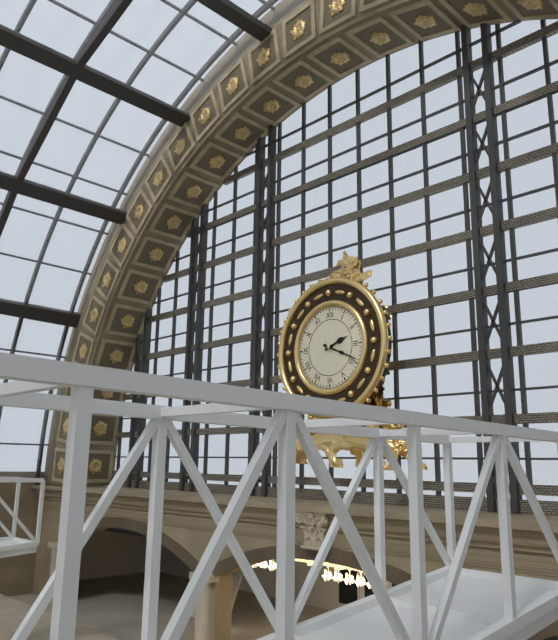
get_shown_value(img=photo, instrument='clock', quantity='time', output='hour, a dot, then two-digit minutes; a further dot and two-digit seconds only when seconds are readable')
2.19
